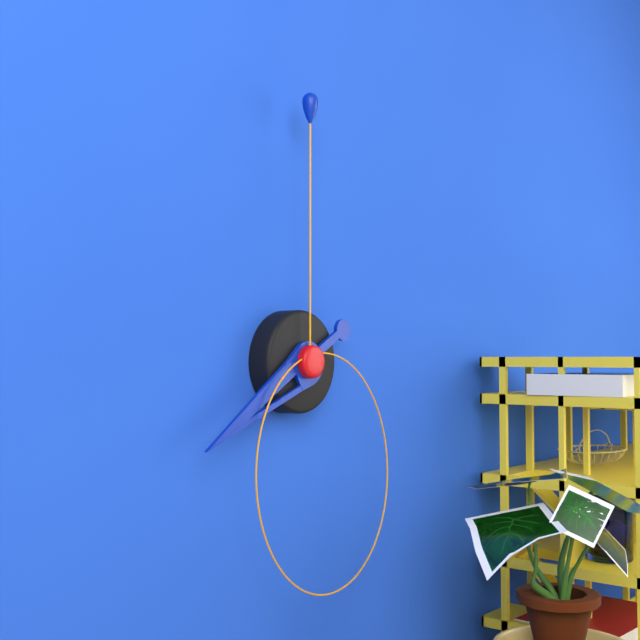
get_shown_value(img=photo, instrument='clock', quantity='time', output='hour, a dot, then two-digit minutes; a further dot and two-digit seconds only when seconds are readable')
8.00.28
